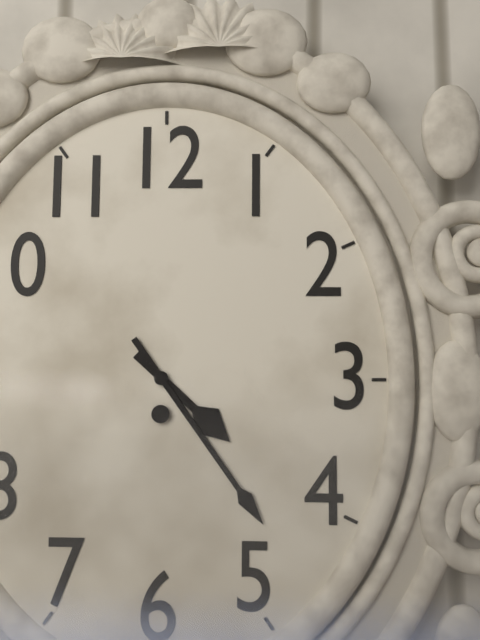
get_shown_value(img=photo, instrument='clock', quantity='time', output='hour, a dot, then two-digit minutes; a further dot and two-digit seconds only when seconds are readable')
4.24
